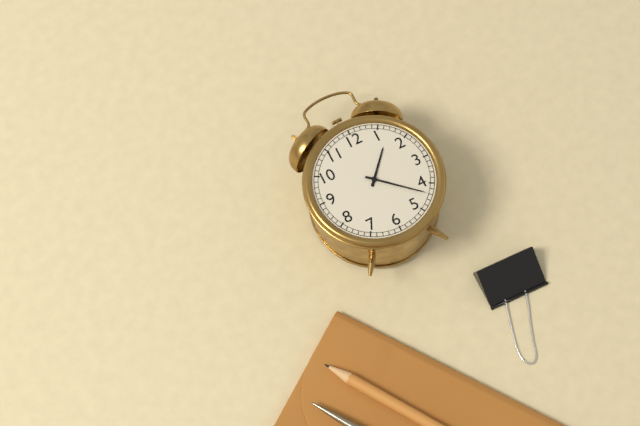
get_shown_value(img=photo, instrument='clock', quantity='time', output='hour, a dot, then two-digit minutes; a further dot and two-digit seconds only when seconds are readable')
1.22
